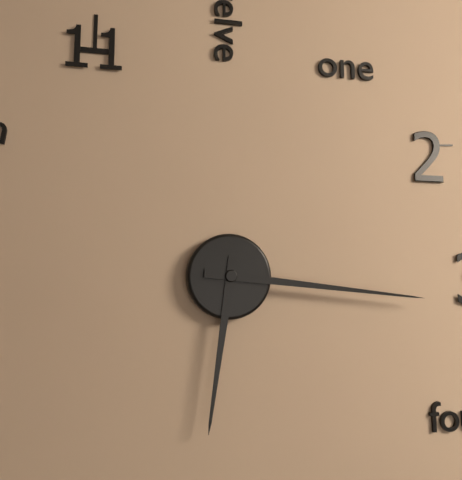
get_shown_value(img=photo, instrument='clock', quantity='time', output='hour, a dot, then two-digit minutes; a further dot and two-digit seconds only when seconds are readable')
6.16
